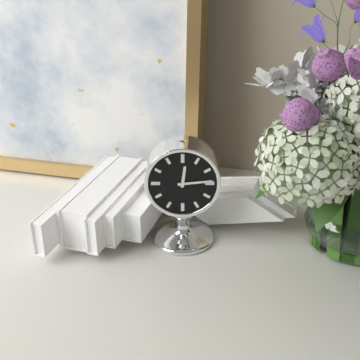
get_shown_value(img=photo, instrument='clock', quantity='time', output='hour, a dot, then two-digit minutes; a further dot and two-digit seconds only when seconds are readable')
12.14
